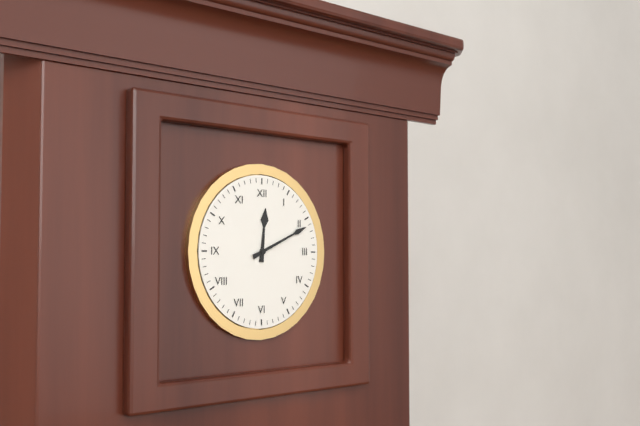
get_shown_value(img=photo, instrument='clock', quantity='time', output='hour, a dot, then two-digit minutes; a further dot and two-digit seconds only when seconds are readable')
12.11
